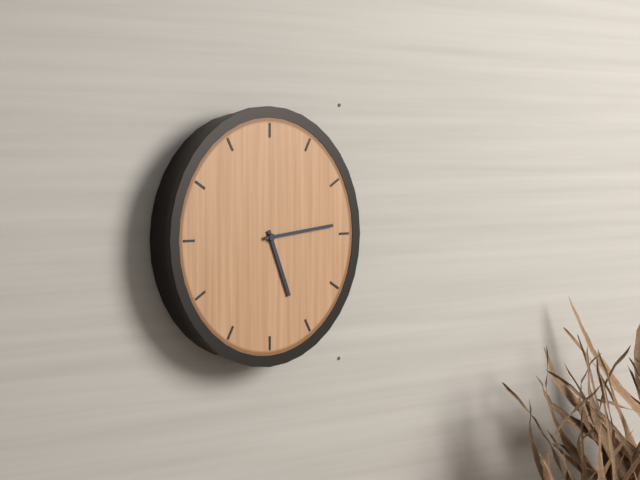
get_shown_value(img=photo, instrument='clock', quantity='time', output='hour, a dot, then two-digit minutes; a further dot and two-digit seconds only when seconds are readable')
5.14
